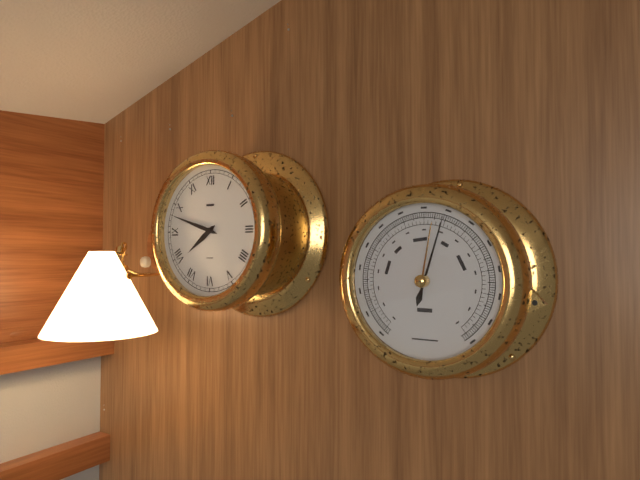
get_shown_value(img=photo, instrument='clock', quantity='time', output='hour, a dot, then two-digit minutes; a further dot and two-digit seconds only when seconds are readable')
7.48
